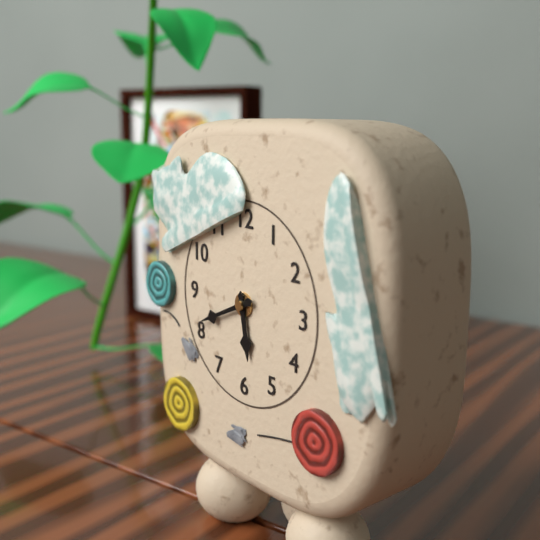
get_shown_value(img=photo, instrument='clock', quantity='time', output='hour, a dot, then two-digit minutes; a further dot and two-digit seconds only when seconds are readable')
5.41
